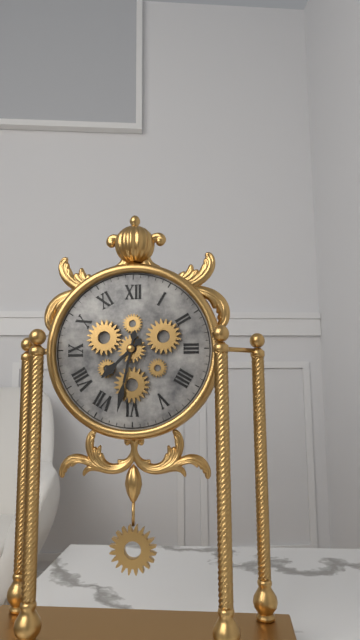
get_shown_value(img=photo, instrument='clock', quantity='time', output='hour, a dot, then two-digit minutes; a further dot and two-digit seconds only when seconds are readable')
7.32
